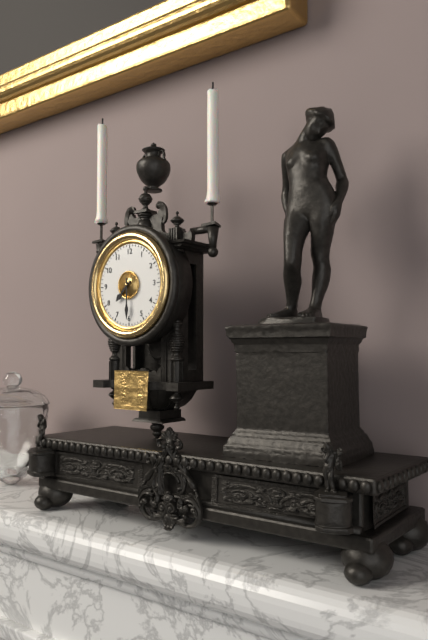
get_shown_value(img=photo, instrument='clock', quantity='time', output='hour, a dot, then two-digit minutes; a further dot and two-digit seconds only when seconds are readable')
7.30
